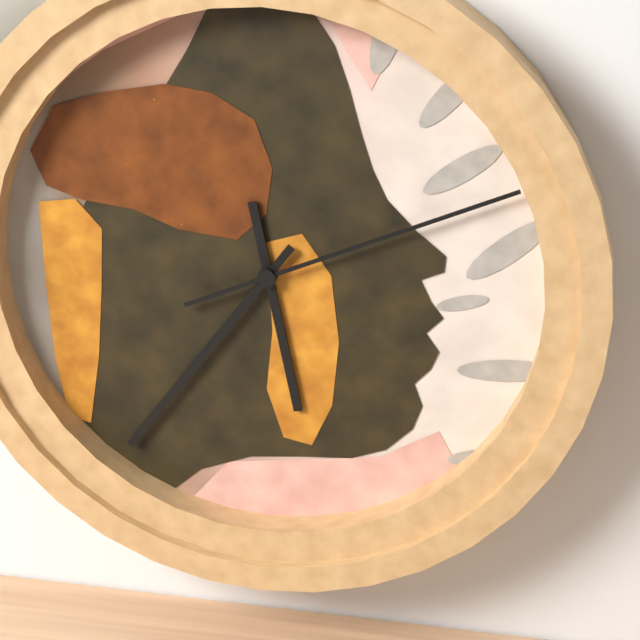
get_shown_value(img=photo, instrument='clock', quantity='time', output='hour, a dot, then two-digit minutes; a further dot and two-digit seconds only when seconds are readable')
5.36.11
